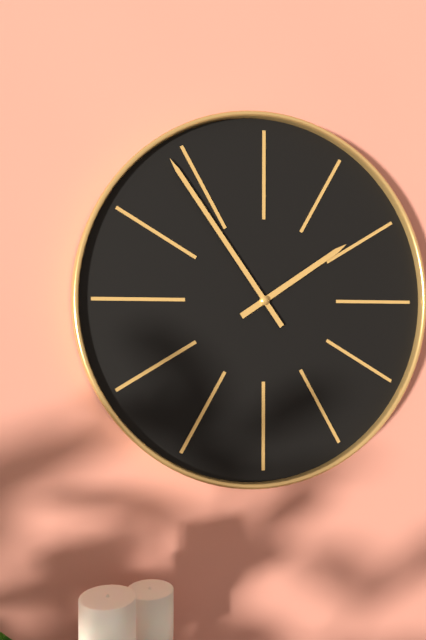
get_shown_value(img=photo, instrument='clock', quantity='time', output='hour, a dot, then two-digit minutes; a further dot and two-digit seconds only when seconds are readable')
1.54
